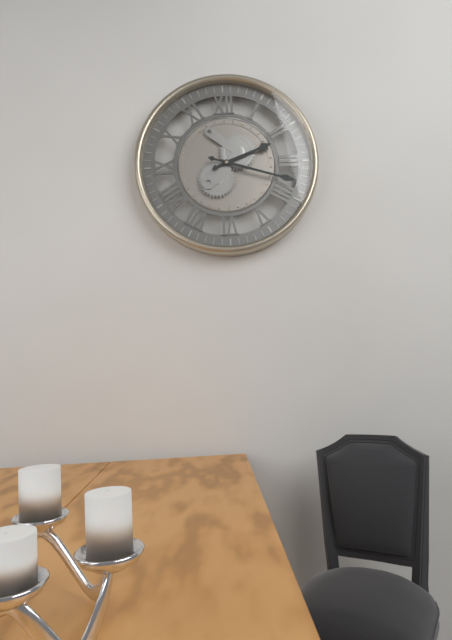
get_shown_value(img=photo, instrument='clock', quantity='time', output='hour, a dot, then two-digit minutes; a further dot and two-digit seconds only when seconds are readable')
2.18
